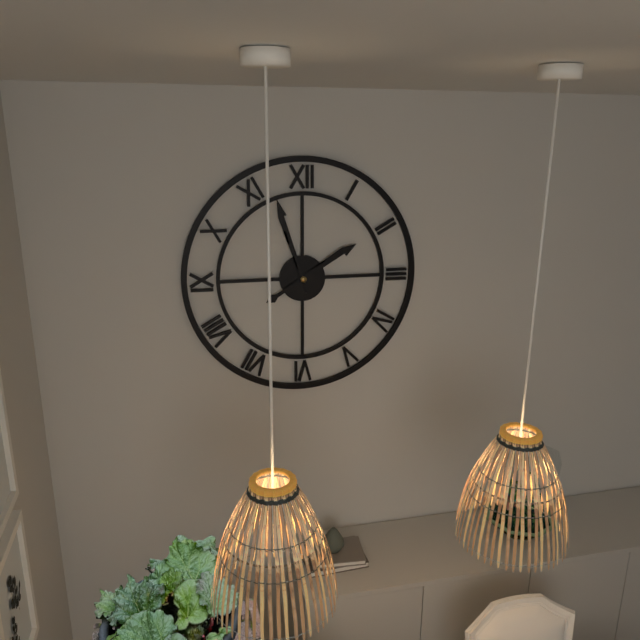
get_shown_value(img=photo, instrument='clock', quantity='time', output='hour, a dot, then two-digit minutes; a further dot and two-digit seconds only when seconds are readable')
1.57
